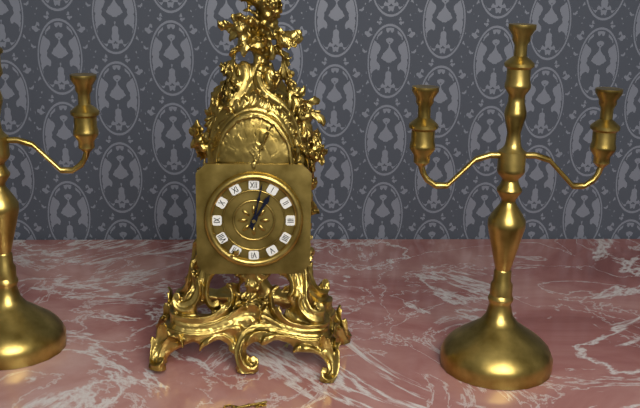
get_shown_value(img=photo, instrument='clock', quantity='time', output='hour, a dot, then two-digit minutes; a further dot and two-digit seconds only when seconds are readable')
1.02
